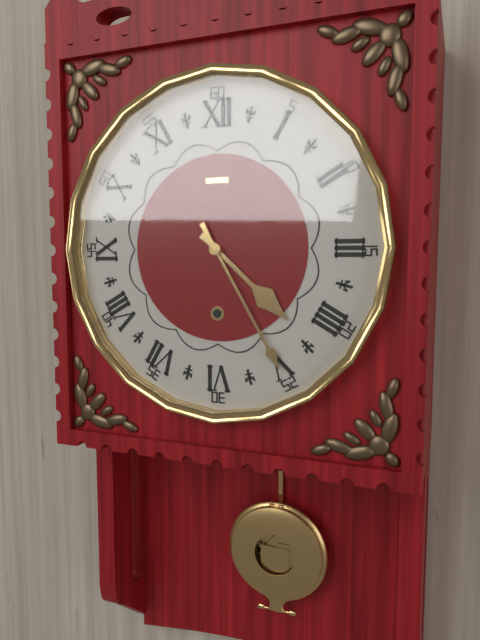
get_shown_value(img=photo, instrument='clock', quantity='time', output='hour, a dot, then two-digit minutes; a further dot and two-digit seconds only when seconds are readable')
4.25
